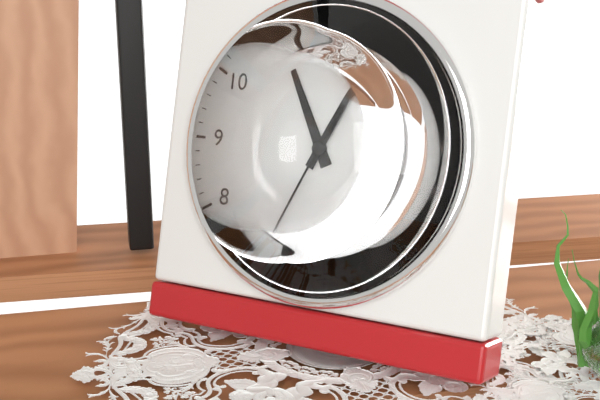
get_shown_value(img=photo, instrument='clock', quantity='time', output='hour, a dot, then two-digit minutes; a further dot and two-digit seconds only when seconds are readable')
11.04.34
